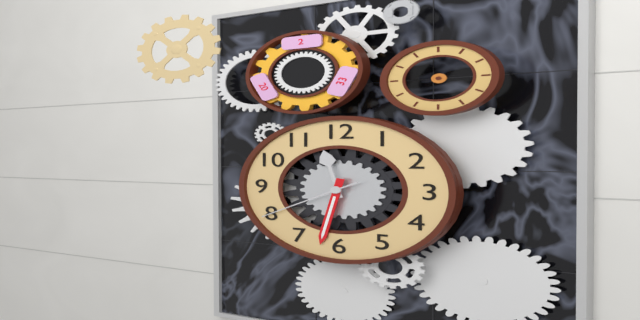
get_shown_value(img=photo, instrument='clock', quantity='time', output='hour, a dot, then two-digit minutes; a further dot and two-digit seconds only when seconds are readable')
11.32.40
